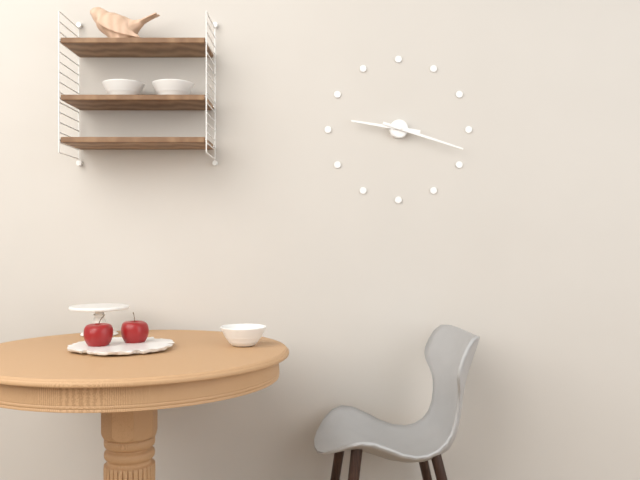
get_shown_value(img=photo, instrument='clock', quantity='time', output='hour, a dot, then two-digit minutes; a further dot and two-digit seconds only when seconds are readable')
9.18
